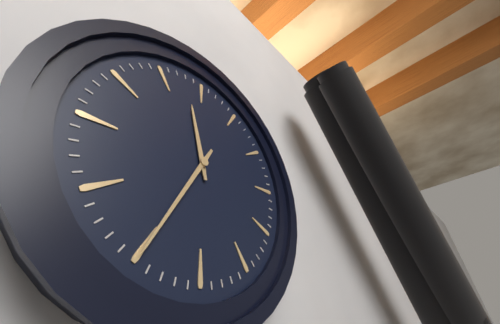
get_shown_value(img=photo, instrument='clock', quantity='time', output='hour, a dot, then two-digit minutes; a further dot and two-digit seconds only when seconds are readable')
11.35
